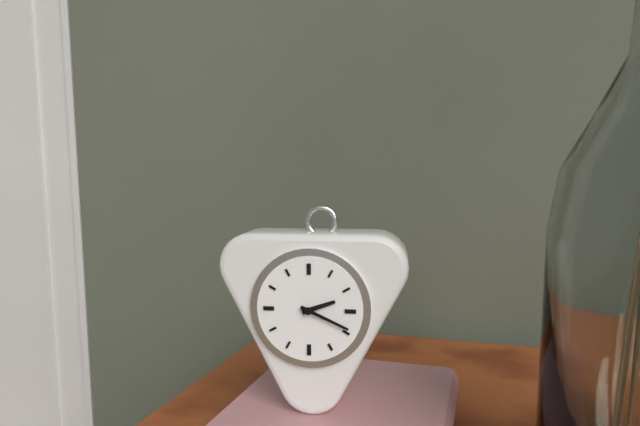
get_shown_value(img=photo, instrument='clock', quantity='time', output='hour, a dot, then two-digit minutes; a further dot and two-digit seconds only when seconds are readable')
2.19
